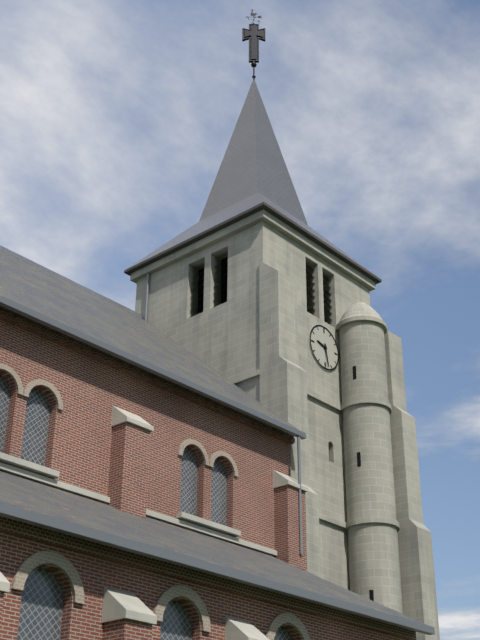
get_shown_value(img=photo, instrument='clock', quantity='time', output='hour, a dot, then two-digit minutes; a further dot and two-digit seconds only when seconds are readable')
9.28
